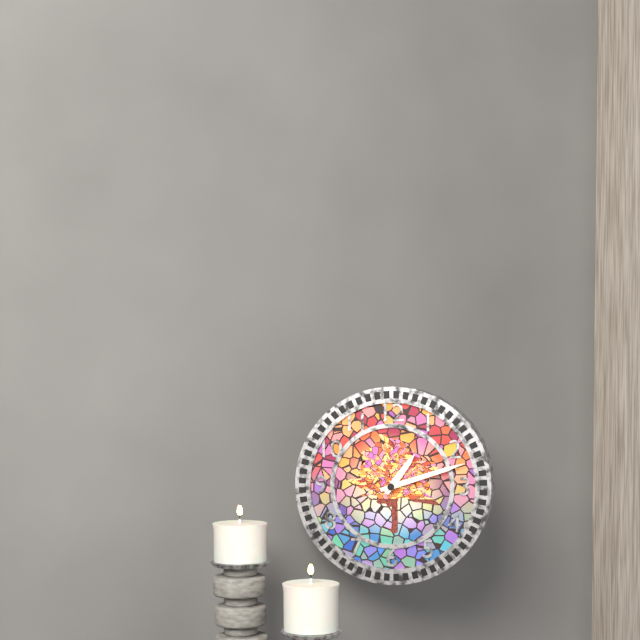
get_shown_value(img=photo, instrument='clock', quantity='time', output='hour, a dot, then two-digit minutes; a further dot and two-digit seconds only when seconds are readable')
1.12
